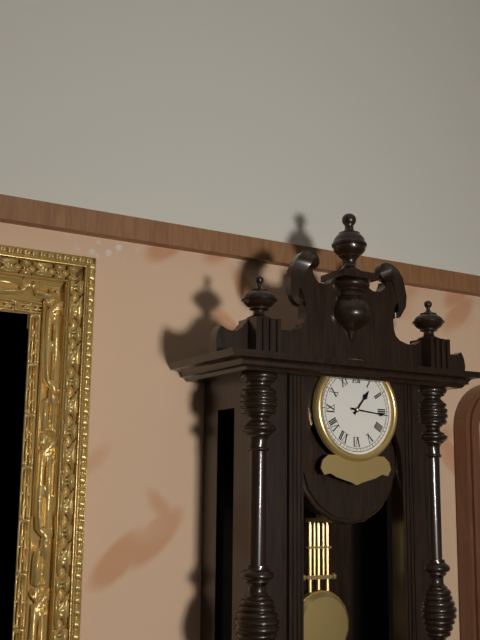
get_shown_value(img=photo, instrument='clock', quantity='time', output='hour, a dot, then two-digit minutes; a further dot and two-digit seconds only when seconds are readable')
1.16
